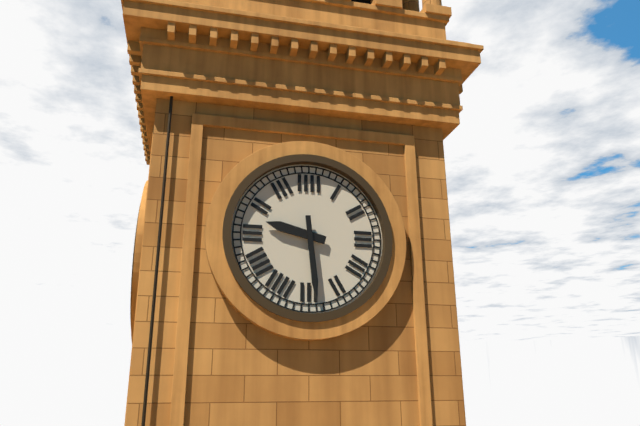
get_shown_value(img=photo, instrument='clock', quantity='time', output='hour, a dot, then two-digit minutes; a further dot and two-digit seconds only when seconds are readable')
9.29
